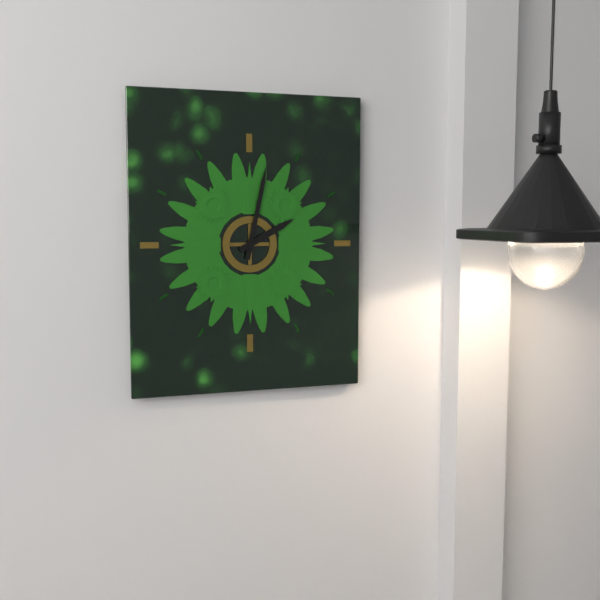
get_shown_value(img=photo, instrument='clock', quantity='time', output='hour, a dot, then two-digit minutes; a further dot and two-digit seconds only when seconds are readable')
2.02
